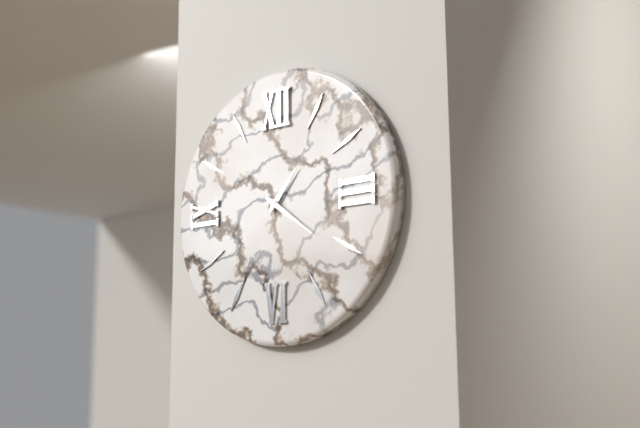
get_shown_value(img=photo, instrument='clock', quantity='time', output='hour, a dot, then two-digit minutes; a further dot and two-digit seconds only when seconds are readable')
1.21
